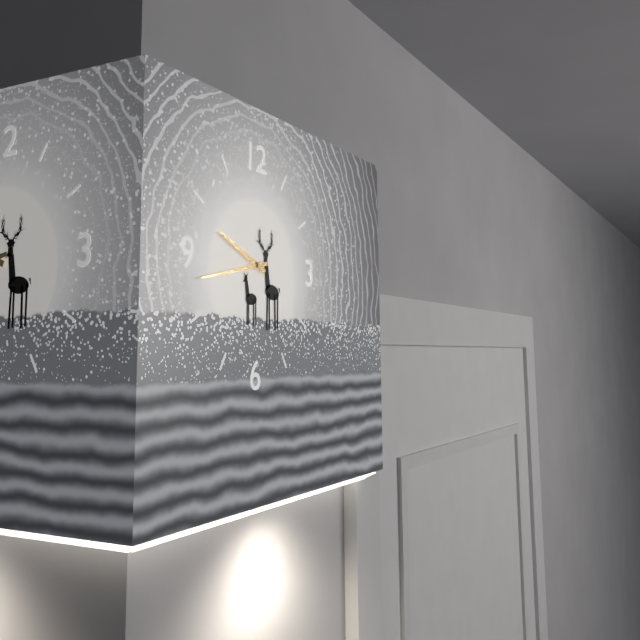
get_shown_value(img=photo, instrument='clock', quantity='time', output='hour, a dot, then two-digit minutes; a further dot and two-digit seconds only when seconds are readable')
9.43
